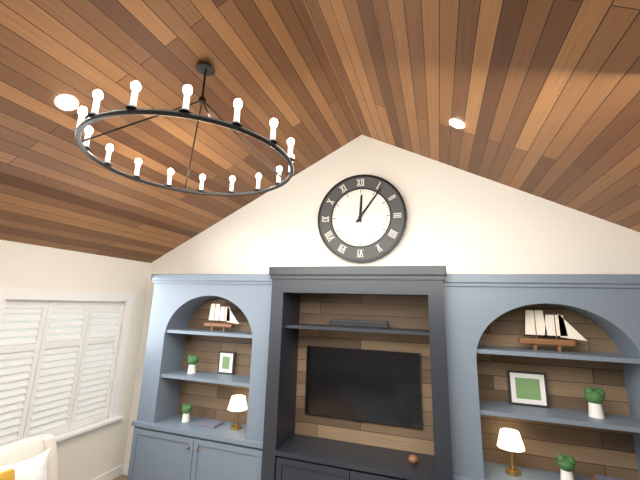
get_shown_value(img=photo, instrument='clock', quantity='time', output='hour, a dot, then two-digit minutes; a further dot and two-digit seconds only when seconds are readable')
12.06
